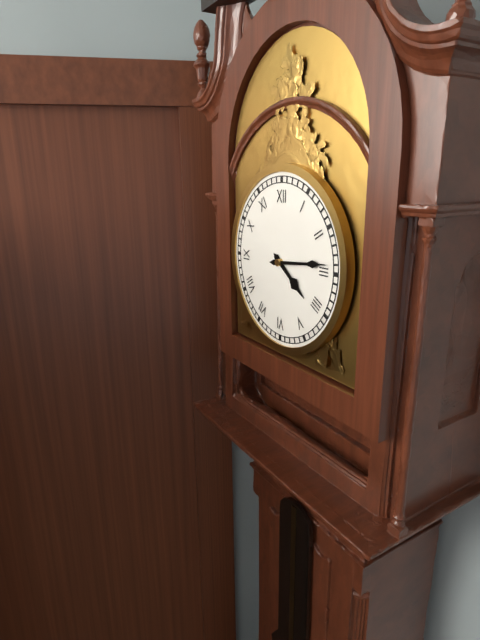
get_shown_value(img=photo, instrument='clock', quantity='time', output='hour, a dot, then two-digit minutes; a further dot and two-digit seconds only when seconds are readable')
4.14
